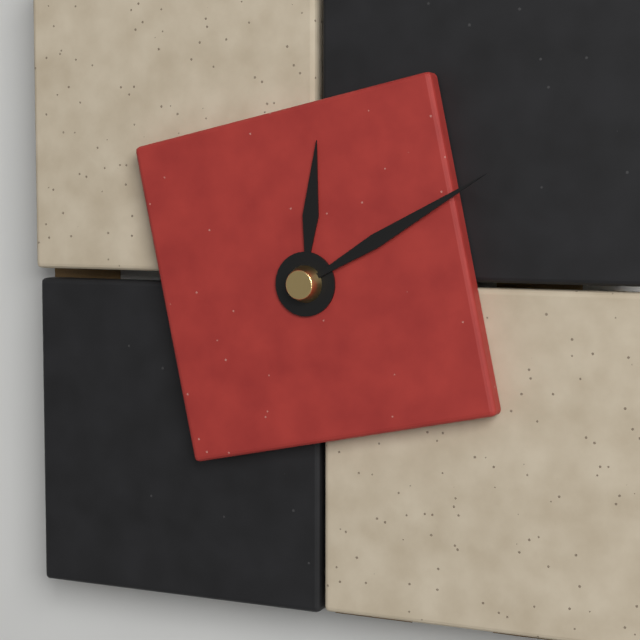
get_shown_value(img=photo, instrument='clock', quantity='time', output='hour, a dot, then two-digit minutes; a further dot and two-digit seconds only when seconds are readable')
12.10
